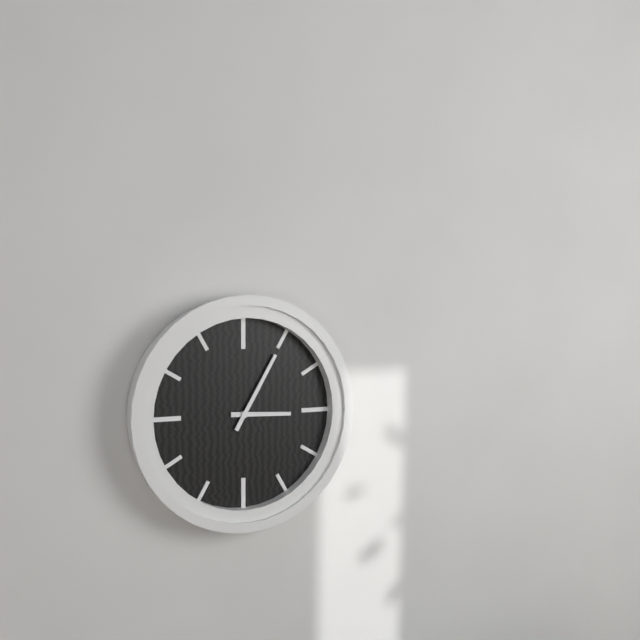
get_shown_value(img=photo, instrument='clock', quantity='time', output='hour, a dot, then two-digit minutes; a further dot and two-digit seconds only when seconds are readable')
3.05
